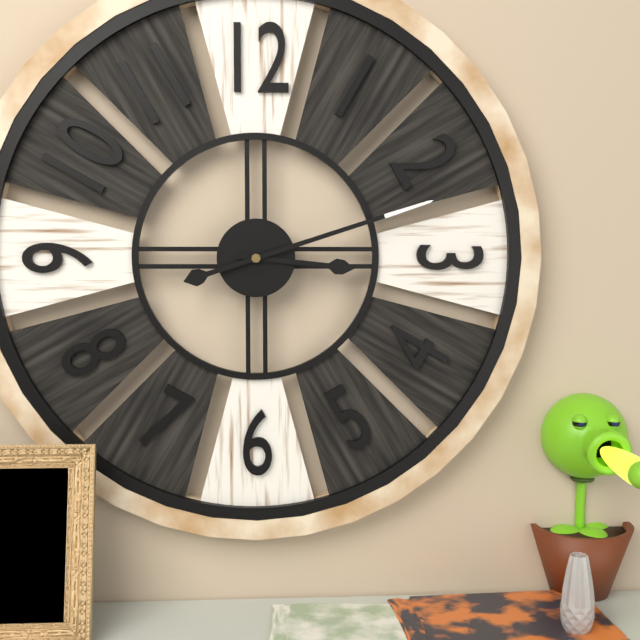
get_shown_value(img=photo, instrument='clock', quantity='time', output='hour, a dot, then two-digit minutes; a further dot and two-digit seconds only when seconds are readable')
3.12
